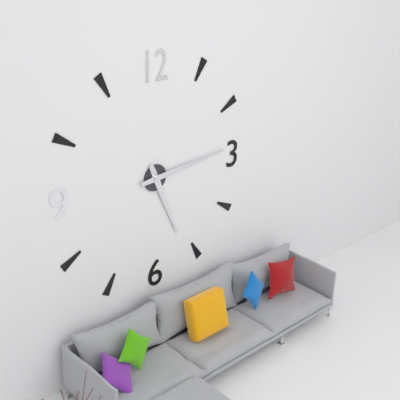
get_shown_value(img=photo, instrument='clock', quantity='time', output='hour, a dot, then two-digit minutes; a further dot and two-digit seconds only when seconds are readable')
5.14
